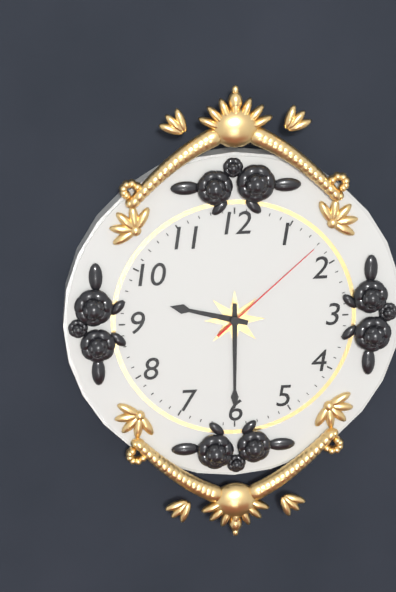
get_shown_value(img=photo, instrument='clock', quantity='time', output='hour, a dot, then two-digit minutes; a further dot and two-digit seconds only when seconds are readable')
9.30.08
